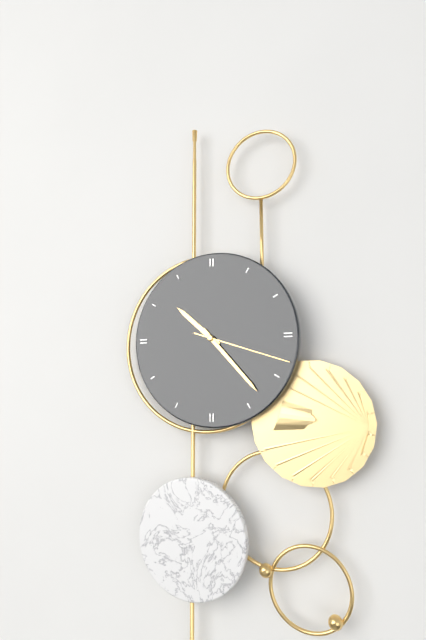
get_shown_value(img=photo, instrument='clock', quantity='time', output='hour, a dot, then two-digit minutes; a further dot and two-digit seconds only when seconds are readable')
10.23.18
